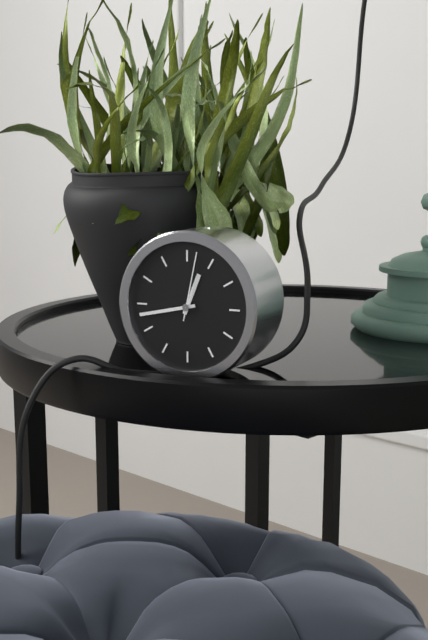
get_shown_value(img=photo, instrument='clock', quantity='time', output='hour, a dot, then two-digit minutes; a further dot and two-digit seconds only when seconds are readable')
12.43.02
